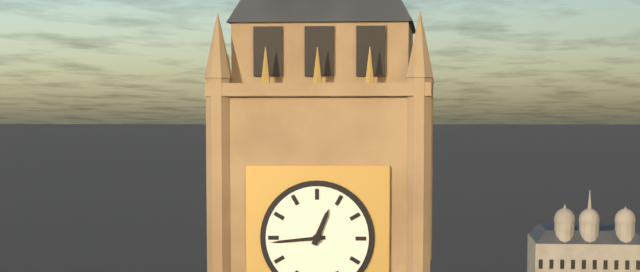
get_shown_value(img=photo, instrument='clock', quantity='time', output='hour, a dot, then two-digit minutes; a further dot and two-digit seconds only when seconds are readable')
12.44
